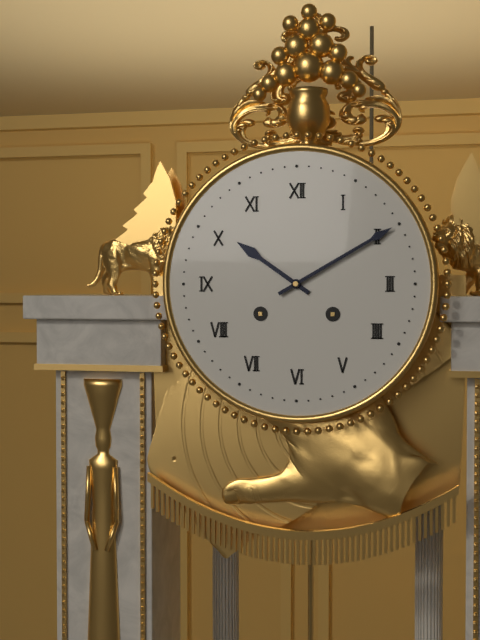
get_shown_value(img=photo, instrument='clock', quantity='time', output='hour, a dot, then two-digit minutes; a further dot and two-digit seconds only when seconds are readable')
10.10
